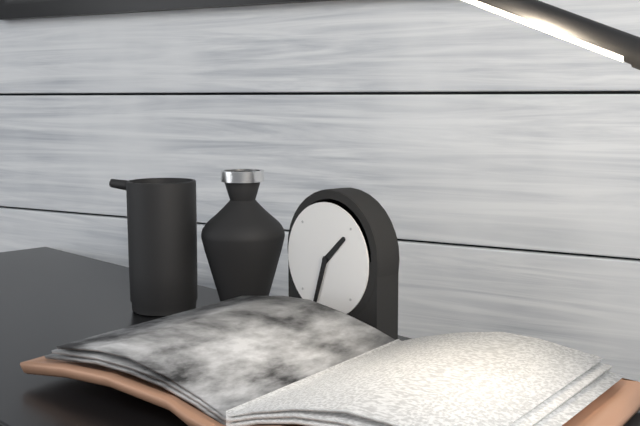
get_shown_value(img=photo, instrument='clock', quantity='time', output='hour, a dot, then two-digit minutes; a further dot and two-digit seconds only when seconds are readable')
1.33
